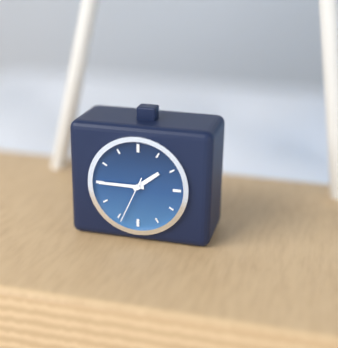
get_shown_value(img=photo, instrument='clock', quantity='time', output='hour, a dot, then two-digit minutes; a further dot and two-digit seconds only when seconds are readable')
1.45
